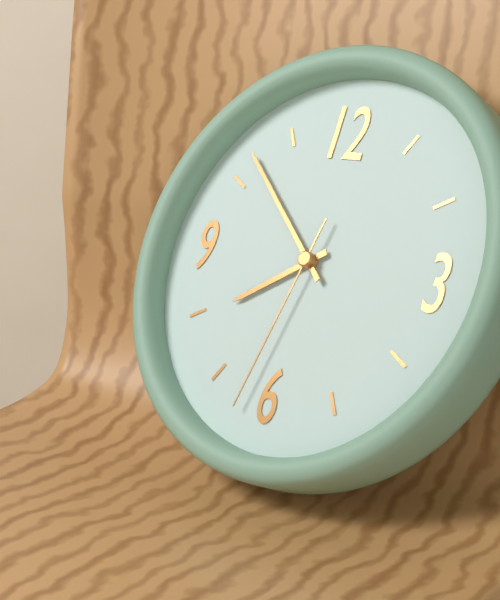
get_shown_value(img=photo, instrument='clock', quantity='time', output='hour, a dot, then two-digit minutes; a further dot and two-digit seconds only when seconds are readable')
7.52.32
